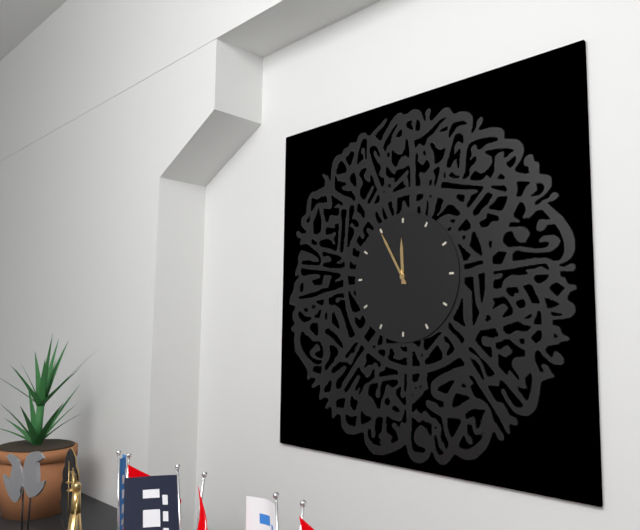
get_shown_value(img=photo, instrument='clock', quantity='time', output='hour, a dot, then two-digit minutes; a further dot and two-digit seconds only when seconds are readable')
11.55
